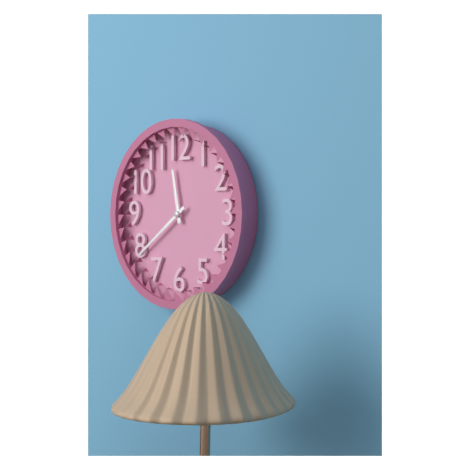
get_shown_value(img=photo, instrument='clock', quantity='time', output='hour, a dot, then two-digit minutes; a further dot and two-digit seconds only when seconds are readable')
11.39
